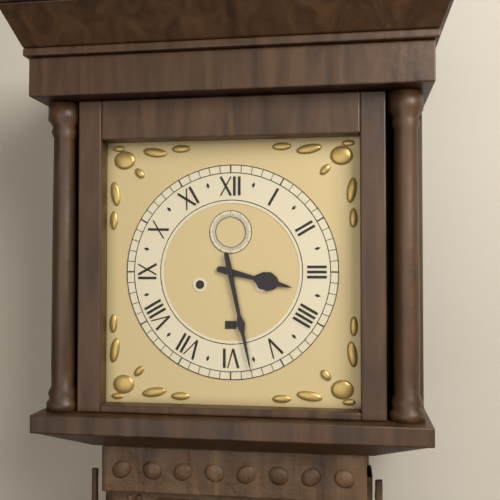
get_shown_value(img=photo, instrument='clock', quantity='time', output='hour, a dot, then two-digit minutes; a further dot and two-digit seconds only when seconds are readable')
3.28
